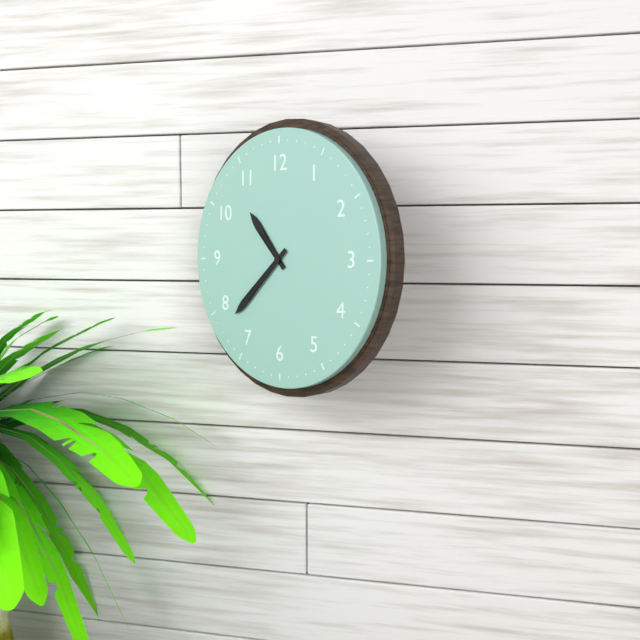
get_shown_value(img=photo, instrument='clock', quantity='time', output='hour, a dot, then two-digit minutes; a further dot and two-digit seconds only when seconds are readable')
10.38
